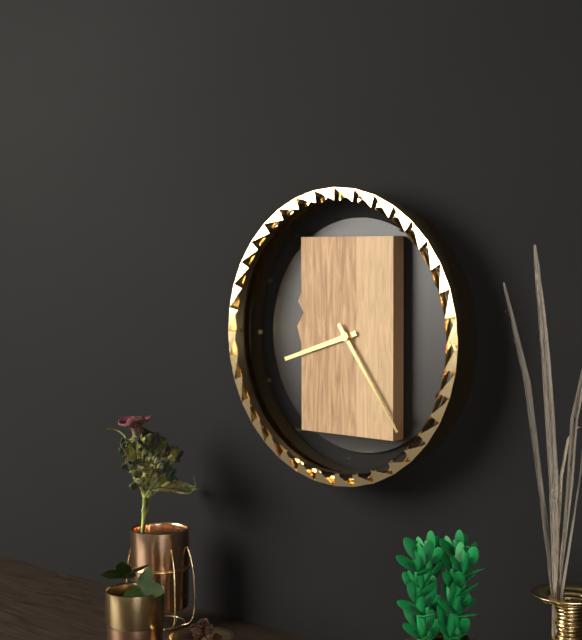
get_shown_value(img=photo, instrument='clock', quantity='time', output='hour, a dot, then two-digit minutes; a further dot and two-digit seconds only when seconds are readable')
8.24
